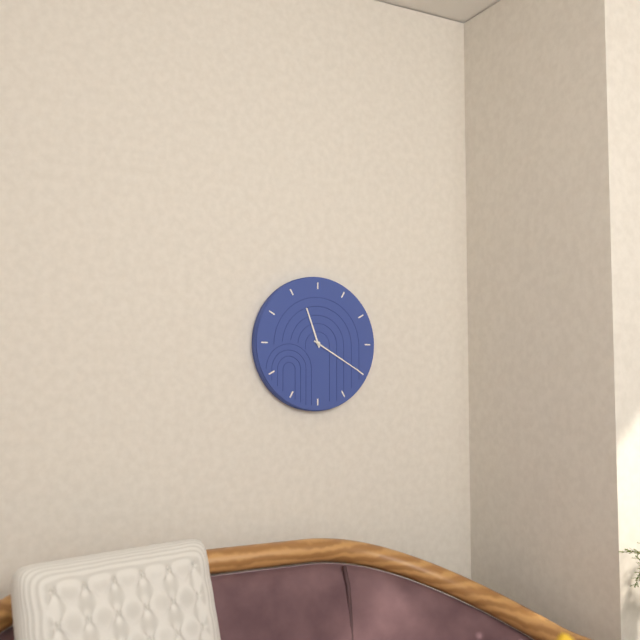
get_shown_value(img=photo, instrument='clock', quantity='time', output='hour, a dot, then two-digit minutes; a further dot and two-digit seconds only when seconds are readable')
11.20
